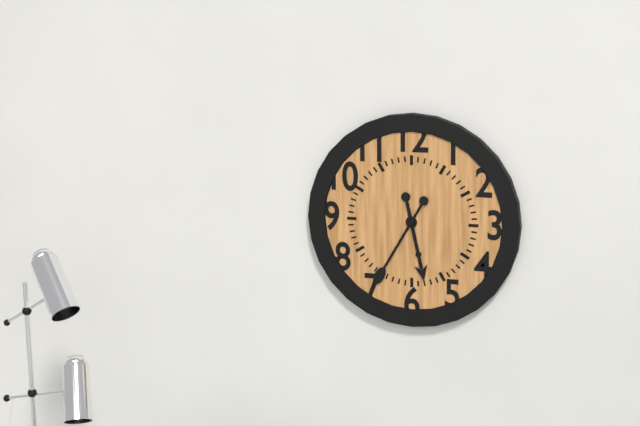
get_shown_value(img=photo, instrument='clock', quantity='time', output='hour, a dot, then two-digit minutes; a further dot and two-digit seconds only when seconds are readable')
5.35
